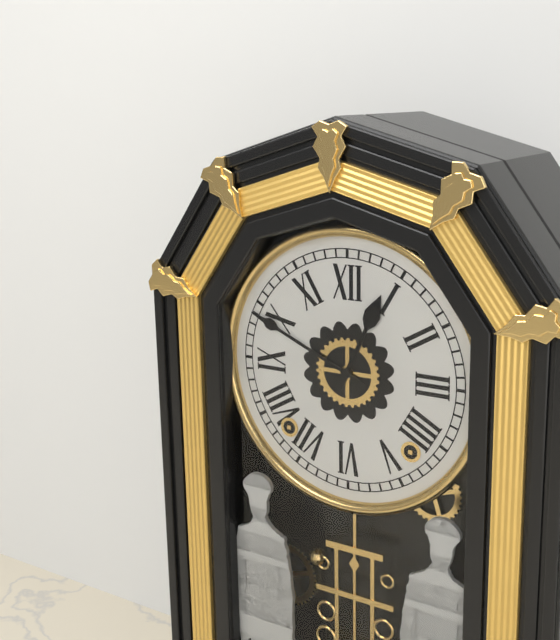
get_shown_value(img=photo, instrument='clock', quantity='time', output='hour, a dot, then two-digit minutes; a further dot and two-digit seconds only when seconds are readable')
12.49
